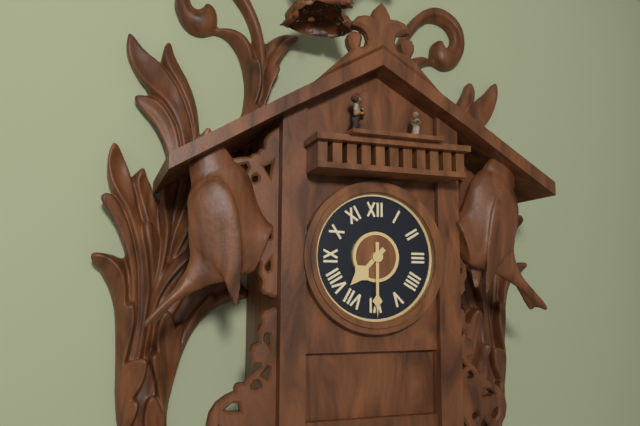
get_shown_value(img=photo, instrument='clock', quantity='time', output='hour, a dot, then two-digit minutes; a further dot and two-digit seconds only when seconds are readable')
7.30
